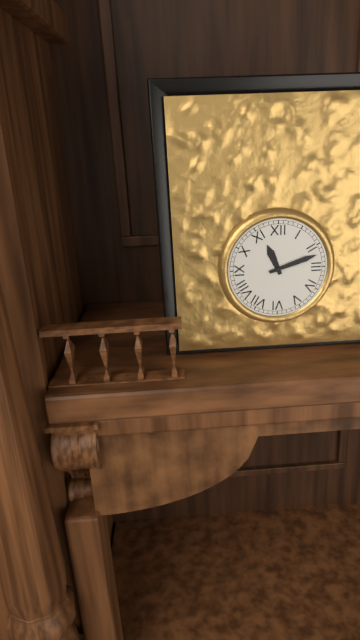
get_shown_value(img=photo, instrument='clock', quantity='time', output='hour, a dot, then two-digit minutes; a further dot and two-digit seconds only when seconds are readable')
11.12
